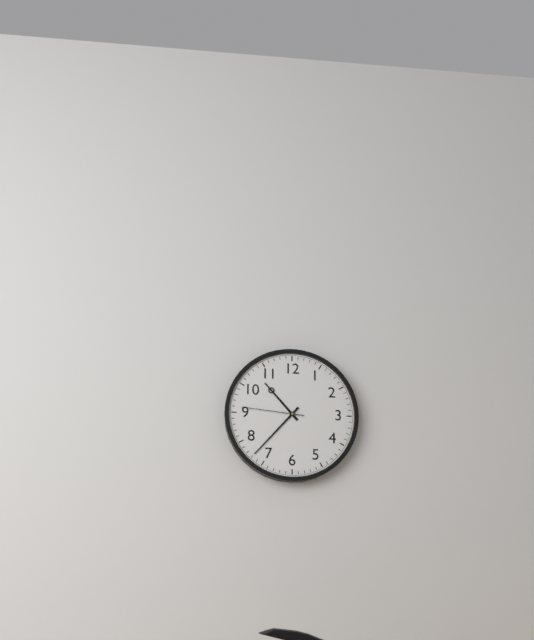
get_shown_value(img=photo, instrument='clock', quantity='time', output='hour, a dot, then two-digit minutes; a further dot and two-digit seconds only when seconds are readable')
10.37.46
